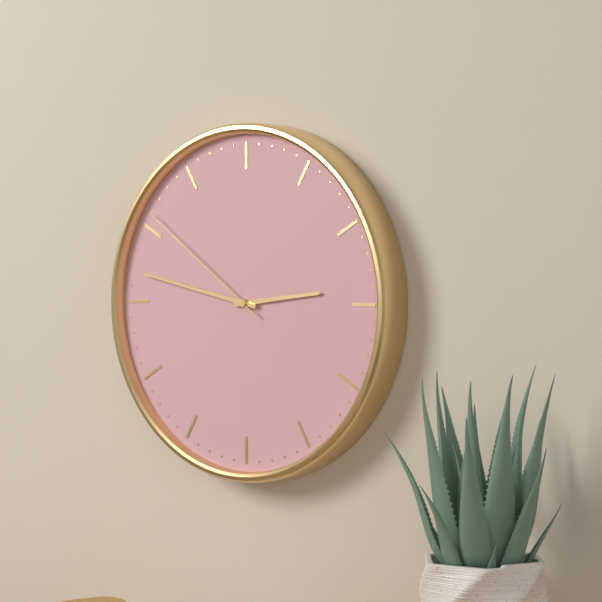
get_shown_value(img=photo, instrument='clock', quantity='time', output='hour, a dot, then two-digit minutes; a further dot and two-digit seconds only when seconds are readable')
2.47.51
